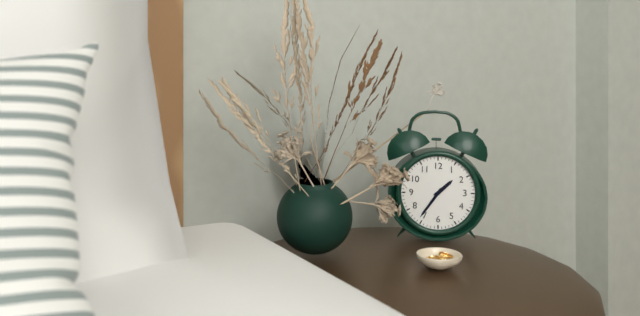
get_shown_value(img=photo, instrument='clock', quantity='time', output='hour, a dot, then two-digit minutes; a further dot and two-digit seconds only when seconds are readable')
1.36
